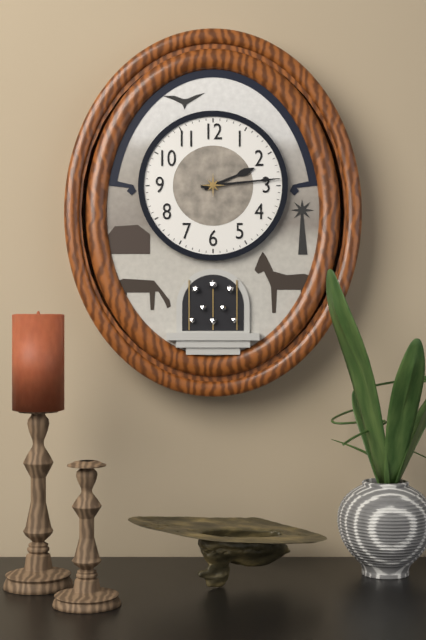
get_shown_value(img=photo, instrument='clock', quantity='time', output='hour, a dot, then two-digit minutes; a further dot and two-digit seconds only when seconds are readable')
2.14
